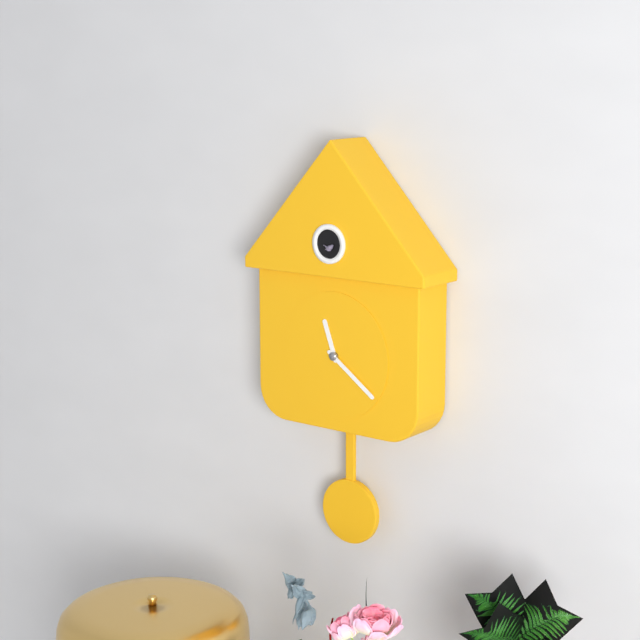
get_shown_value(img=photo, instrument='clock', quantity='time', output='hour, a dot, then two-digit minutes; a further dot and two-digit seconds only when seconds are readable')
11.21
